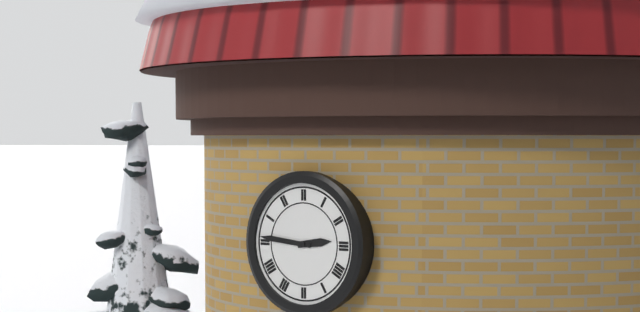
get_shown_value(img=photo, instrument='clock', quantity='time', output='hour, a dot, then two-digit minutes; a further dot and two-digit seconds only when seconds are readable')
2.46
